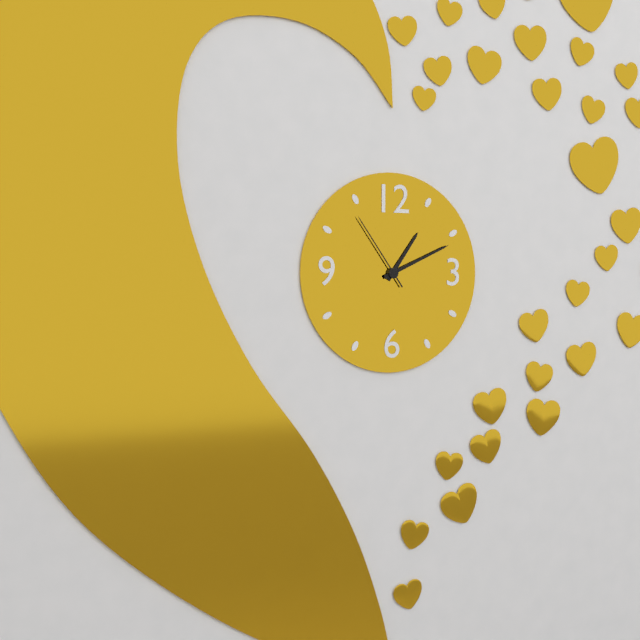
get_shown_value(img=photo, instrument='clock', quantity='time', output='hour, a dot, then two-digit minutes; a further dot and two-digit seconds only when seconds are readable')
1.11.54
